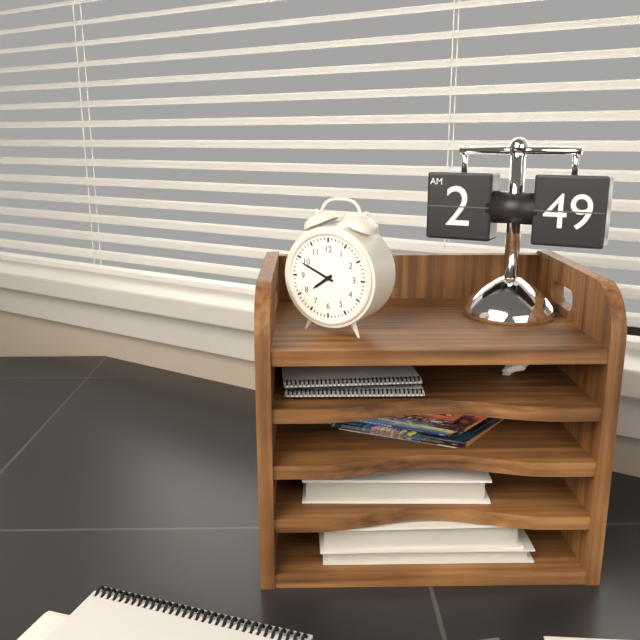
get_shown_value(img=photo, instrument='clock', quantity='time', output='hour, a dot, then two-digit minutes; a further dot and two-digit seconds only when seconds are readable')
7.49
